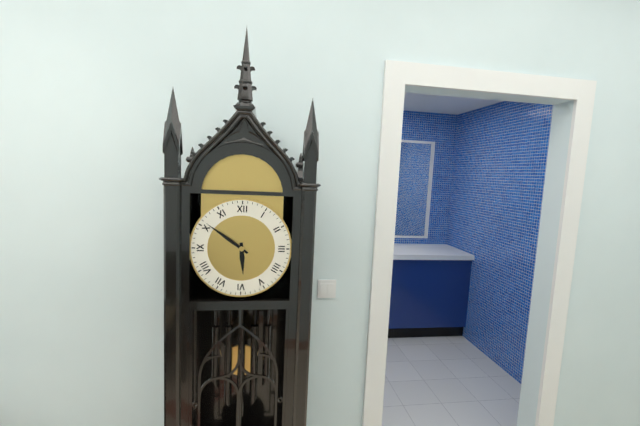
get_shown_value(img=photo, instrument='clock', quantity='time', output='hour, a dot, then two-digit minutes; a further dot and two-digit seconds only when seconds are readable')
5.51
